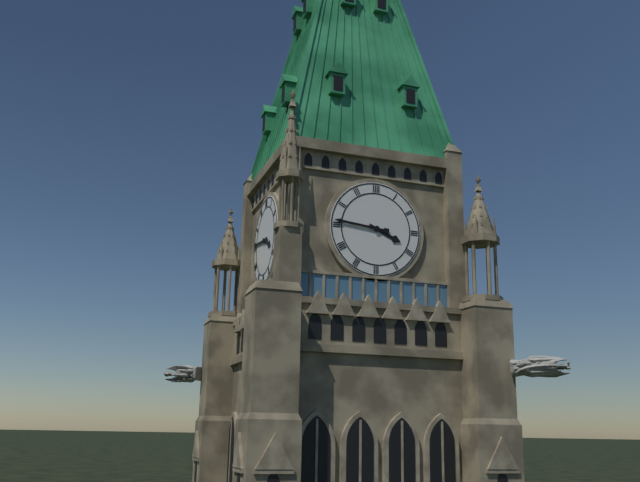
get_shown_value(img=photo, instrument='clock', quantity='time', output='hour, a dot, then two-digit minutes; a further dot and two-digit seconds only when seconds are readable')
3.46
